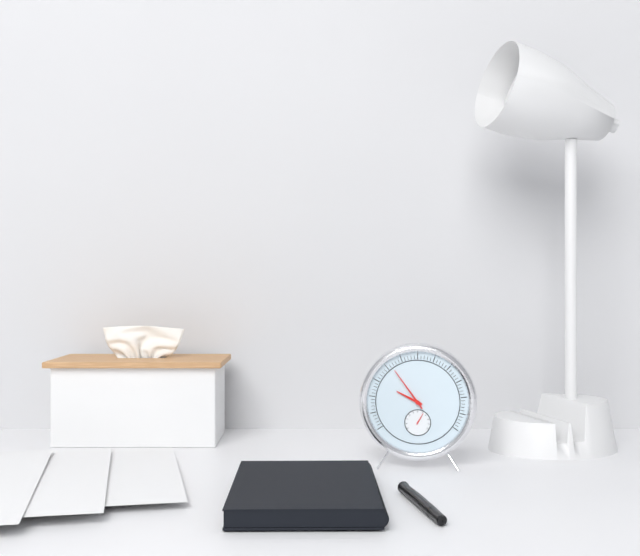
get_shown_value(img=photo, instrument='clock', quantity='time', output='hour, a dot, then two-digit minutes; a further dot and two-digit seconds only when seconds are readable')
9.54
